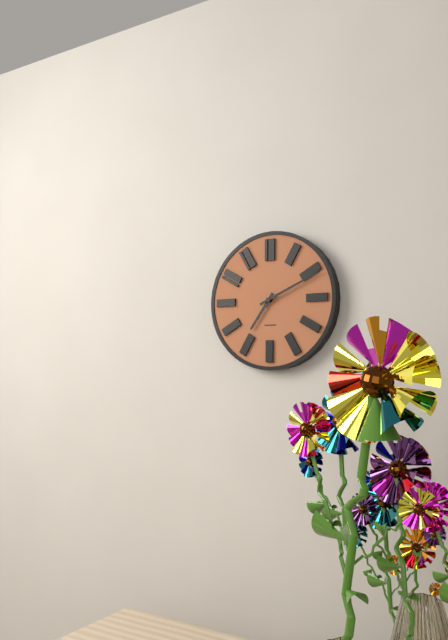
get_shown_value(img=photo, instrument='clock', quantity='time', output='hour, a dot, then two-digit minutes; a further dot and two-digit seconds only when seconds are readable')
7.11
